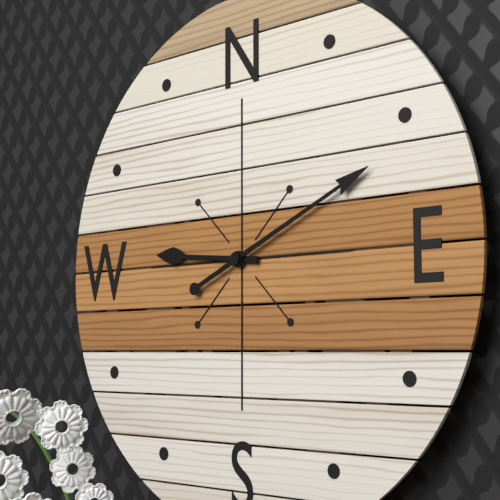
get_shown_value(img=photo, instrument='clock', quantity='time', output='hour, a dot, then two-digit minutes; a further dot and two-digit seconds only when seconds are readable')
9.11
